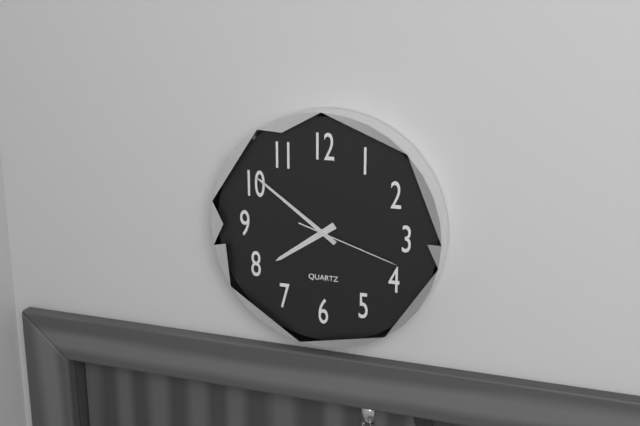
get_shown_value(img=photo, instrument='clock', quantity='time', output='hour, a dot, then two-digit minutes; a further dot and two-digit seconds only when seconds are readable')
7.51.18
